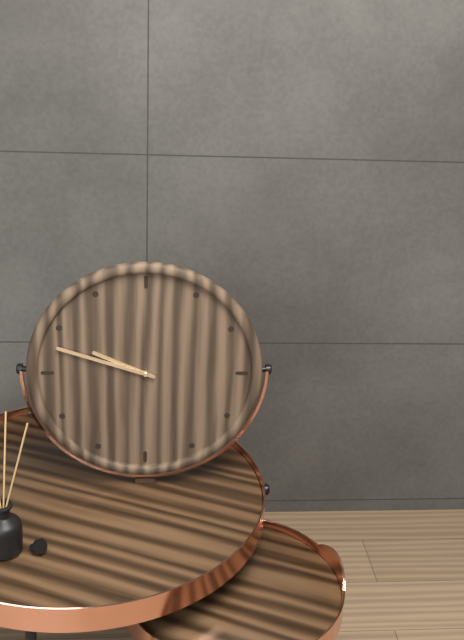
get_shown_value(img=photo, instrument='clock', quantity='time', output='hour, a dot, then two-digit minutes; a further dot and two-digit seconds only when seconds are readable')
9.48
